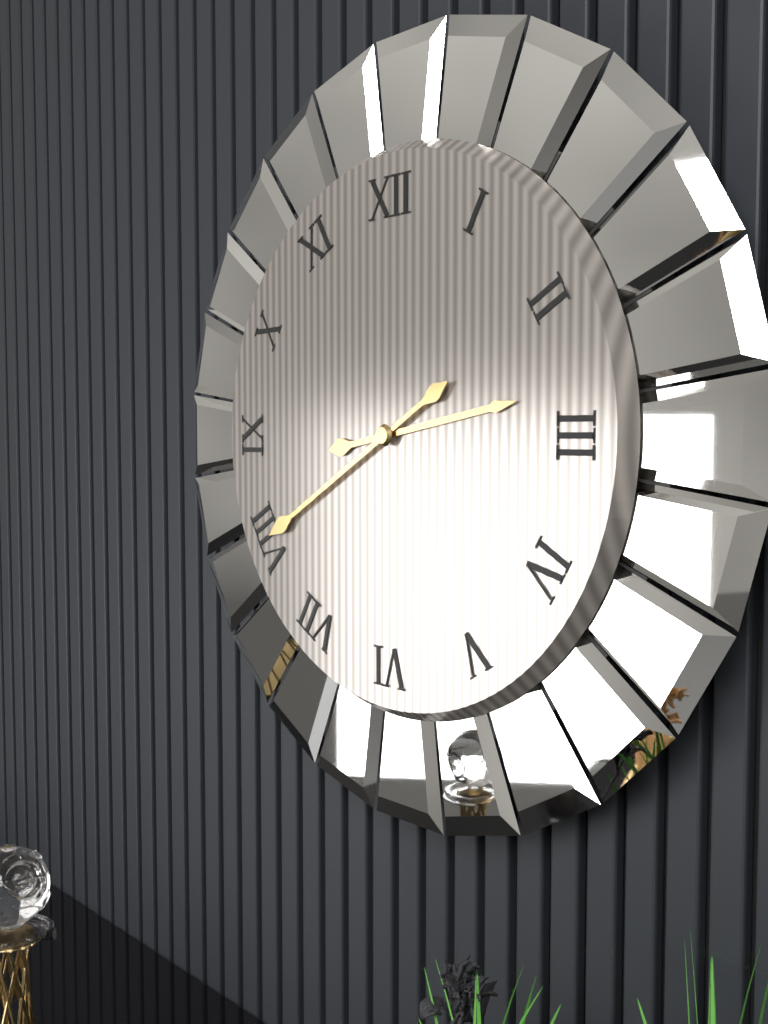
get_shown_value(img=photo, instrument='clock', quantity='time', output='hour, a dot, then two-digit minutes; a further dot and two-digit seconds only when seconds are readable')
2.40
